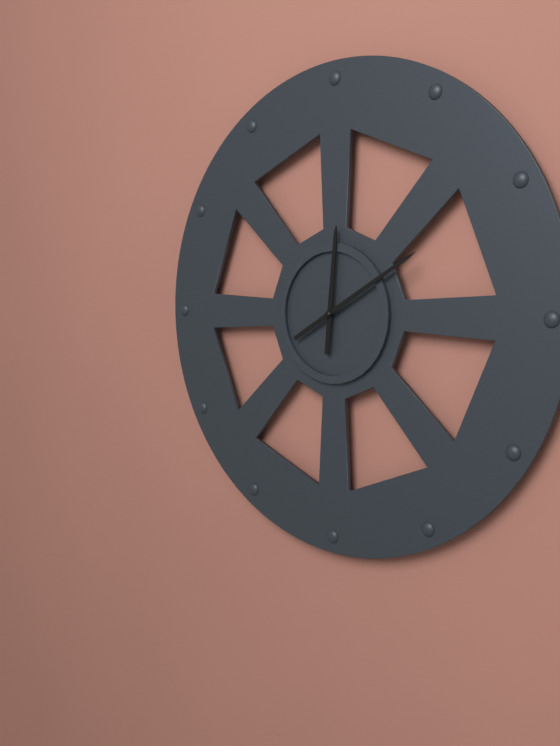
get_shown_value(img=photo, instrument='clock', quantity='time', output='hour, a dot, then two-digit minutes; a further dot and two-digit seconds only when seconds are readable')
12.10
